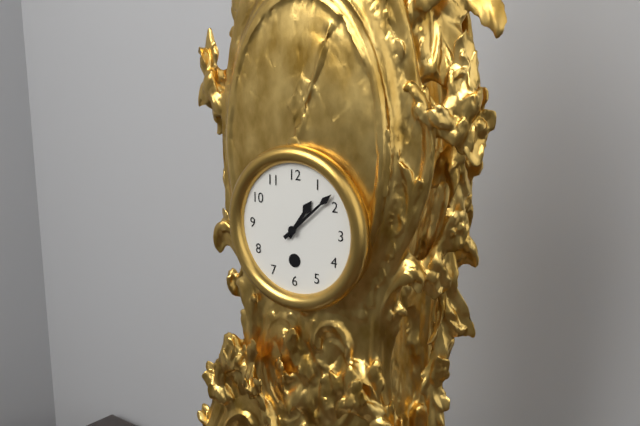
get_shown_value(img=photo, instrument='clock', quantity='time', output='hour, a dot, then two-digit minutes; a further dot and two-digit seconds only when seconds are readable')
1.08
